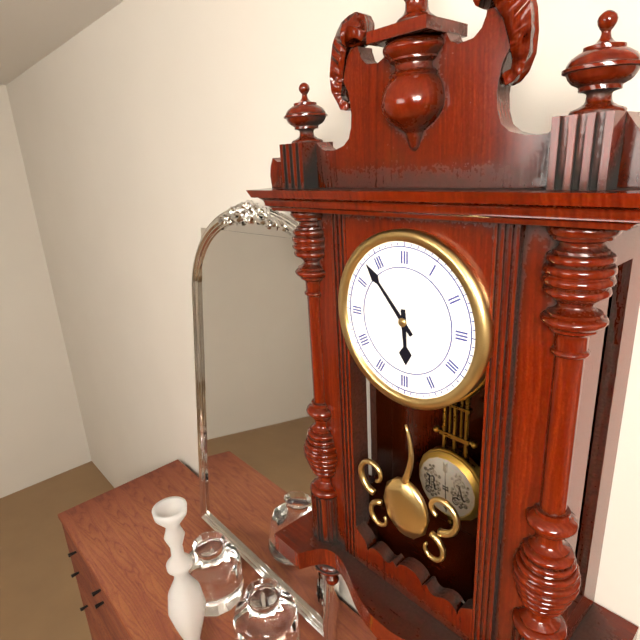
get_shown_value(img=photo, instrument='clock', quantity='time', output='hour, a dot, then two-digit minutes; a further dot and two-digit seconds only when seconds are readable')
5.53
